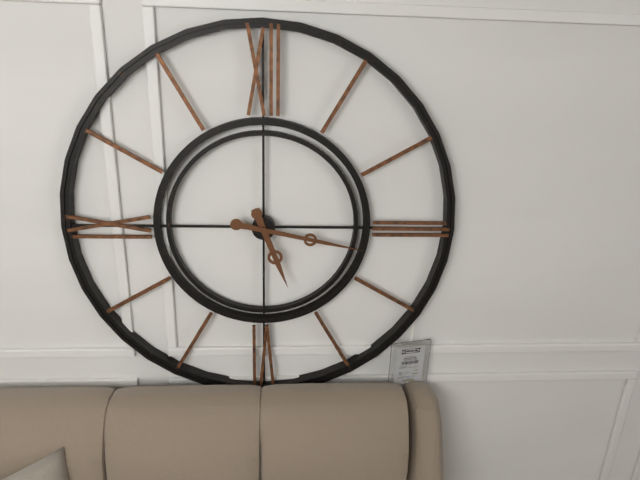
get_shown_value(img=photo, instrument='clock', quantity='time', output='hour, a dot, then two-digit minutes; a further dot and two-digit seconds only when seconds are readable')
5.17
